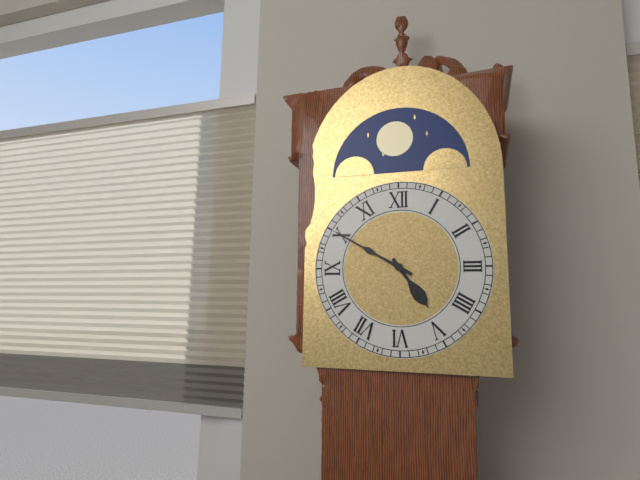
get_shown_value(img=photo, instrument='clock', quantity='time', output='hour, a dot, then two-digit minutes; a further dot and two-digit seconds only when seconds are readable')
4.50
